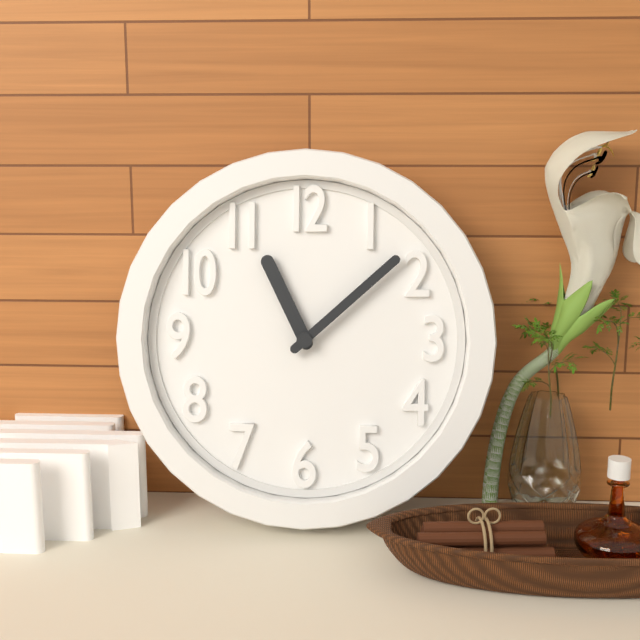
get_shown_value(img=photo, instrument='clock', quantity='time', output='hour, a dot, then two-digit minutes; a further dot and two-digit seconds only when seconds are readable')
11.08
